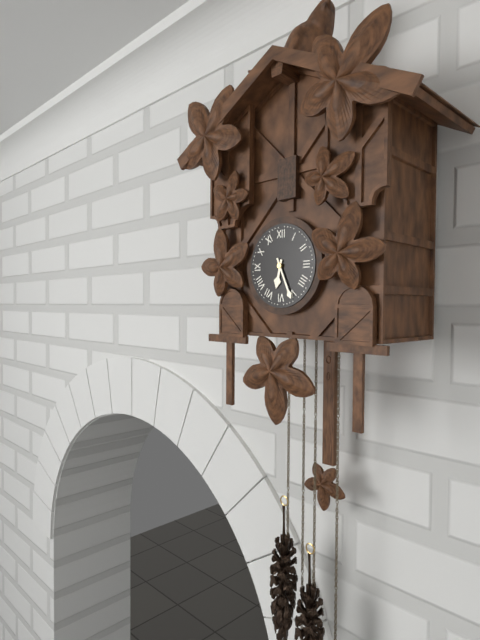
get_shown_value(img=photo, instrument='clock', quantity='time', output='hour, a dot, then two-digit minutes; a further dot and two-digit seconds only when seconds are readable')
6.26
